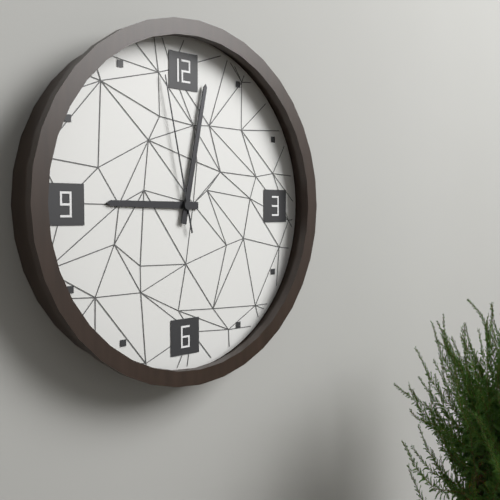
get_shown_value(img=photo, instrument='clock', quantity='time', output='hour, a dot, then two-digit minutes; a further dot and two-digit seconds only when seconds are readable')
9.02.58
